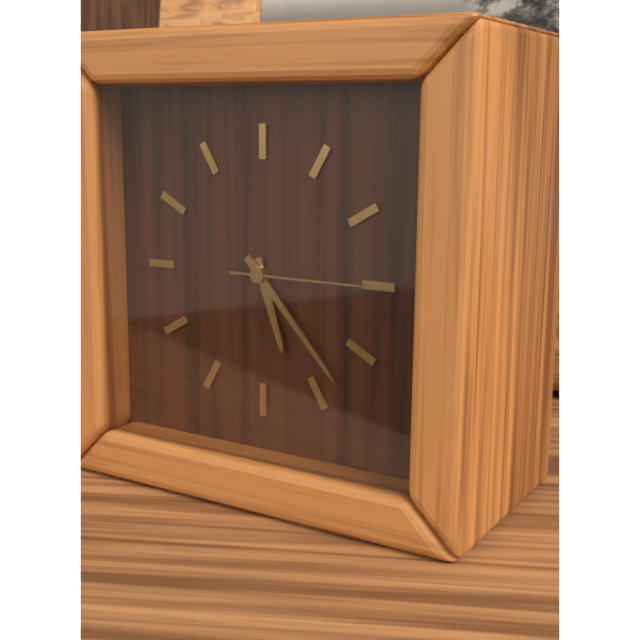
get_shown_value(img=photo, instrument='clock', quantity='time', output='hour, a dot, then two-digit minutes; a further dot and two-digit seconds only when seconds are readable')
5.23.15
